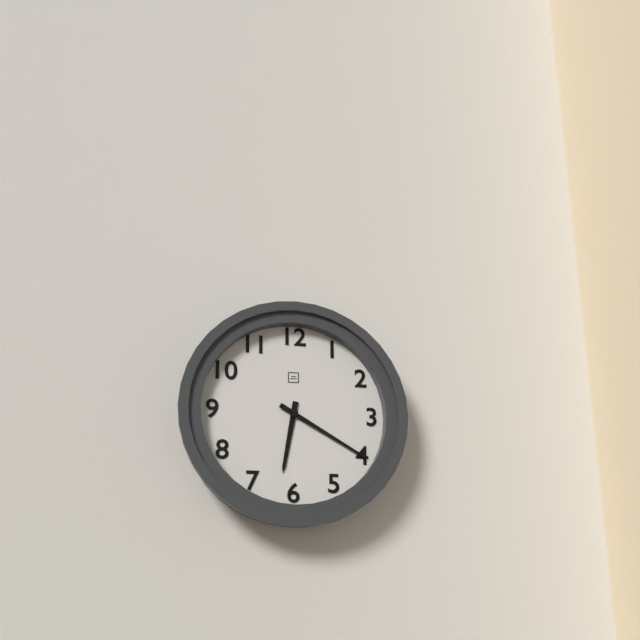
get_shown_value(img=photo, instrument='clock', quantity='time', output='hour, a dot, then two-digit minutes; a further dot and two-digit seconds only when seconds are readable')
6.20
